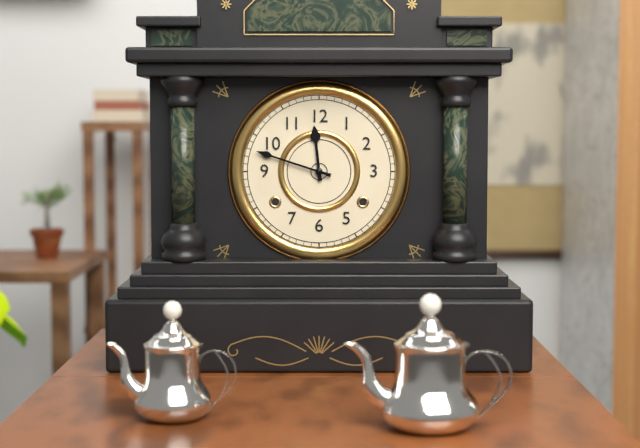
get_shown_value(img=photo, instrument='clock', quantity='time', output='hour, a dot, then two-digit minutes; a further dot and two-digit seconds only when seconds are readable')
11.48
